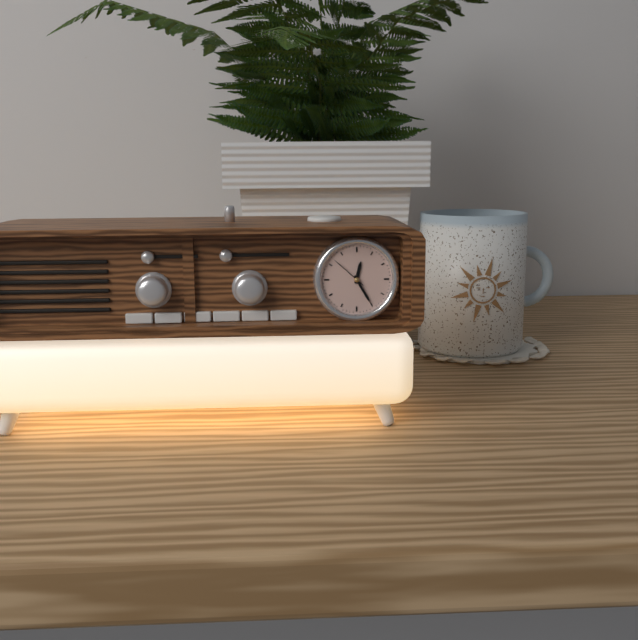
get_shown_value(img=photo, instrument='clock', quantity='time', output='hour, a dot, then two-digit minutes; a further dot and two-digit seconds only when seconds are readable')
12.25
